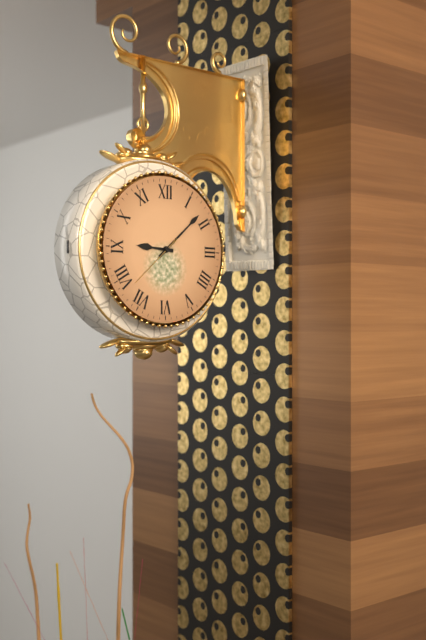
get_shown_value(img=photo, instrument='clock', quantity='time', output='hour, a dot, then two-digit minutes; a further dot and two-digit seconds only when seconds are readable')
9.08.38
